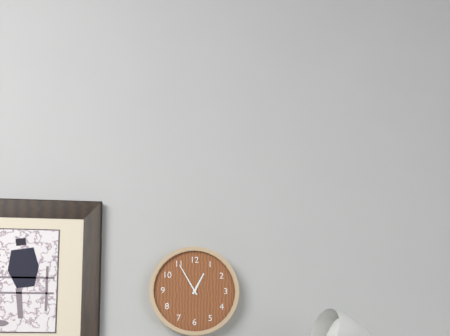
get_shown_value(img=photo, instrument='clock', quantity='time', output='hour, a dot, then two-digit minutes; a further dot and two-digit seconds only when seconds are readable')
12.55
